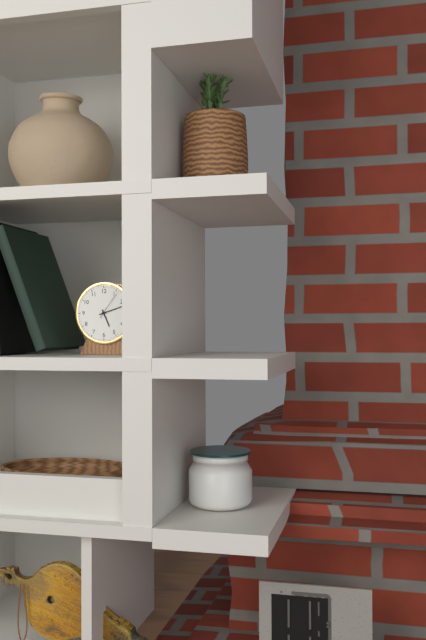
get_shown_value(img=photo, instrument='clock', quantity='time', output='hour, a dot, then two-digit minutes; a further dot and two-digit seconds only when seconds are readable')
5.12
